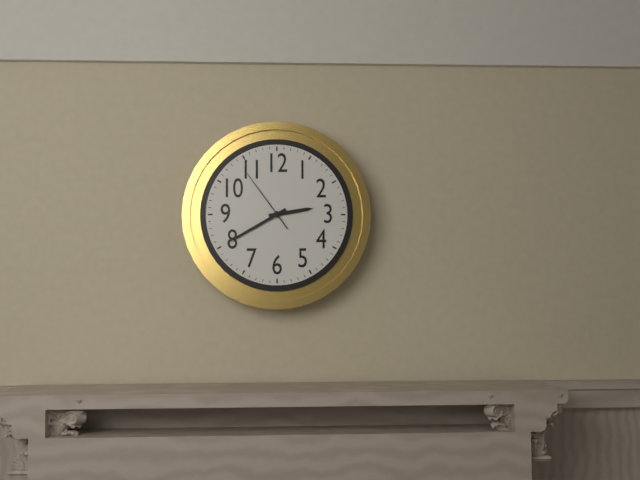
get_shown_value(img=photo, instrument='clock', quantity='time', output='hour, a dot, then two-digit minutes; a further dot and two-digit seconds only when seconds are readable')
2.40.54
